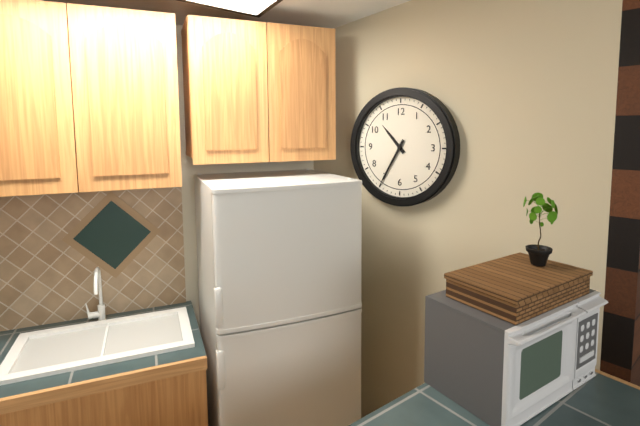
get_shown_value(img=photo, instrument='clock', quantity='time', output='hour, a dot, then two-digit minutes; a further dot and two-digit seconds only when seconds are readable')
10.35
